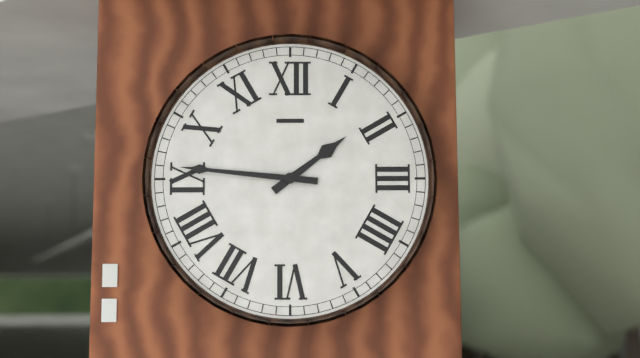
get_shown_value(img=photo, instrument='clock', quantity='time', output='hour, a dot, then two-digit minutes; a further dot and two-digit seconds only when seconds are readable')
1.46
